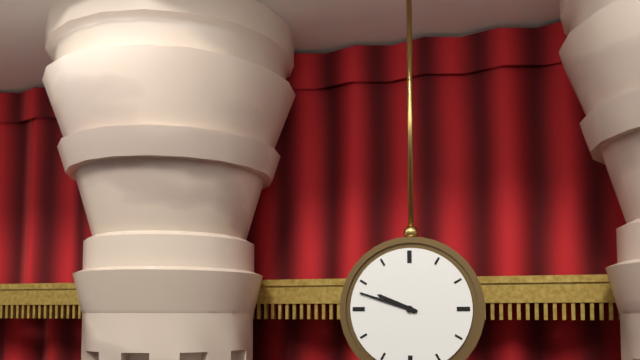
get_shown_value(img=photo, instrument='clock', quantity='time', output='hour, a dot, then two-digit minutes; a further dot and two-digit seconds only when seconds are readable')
9.48
